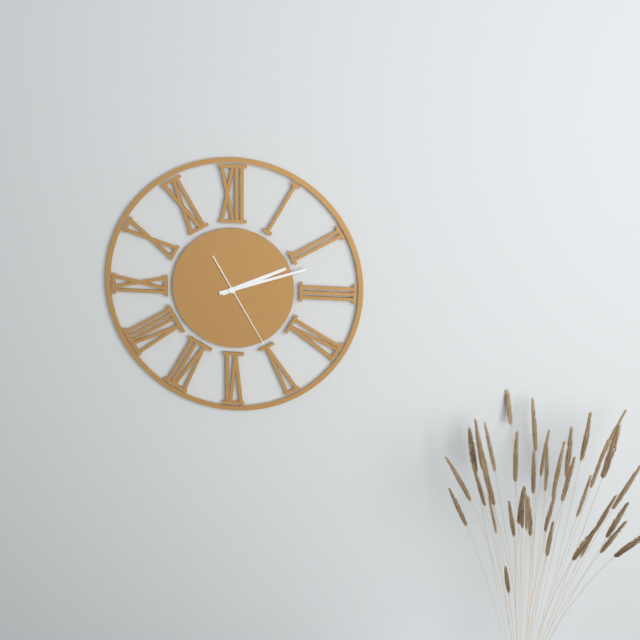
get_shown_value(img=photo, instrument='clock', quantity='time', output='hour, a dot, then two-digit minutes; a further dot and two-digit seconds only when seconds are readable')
2.12.25
